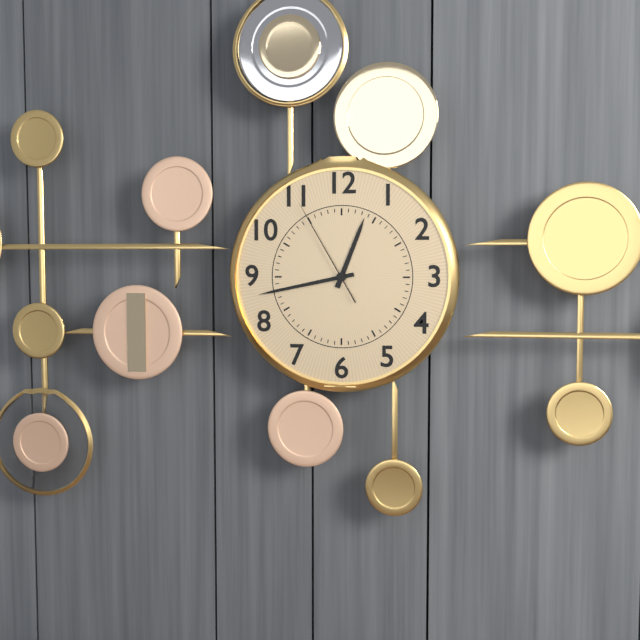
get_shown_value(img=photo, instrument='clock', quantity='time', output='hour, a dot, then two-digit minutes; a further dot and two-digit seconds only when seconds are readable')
12.43.55
